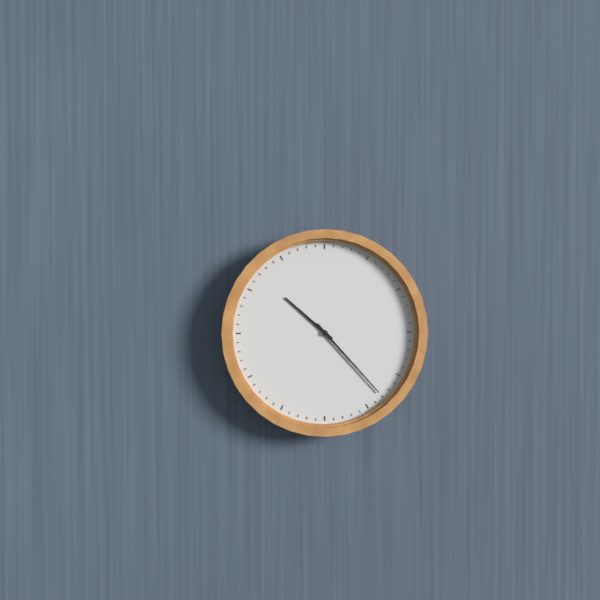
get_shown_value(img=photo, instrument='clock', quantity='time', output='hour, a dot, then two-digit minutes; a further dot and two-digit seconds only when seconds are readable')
10.23
